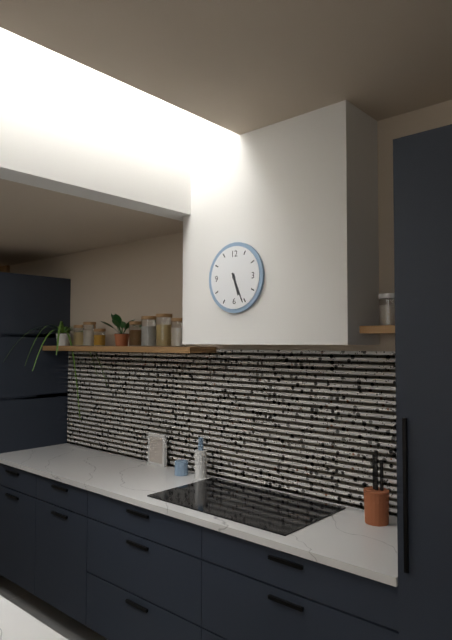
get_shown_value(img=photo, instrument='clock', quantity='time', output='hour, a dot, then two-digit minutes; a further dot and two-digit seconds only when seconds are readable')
5.26
